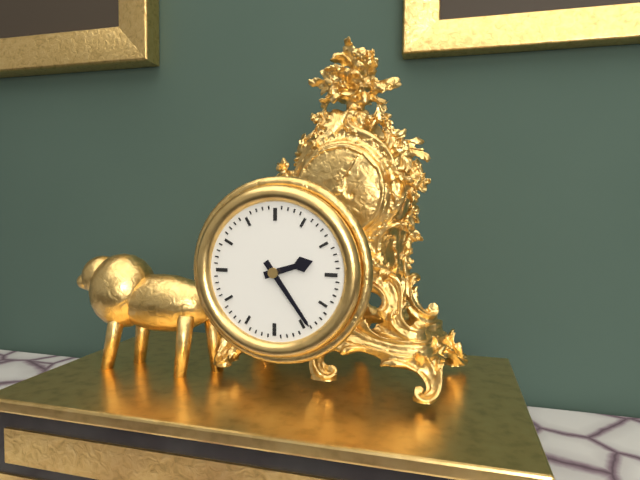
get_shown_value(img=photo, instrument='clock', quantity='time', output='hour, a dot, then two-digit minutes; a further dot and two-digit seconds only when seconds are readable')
2.24
